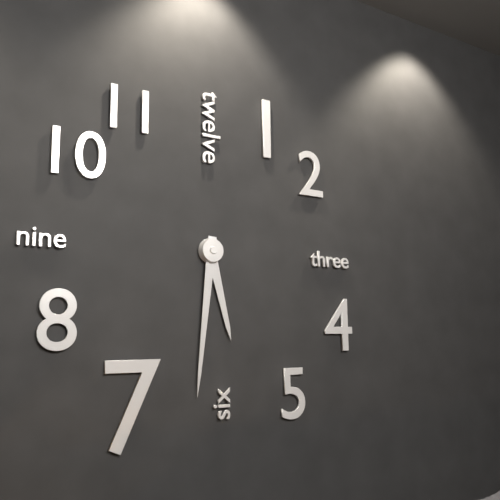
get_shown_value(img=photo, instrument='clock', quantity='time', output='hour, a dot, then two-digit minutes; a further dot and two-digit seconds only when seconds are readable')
5.31
